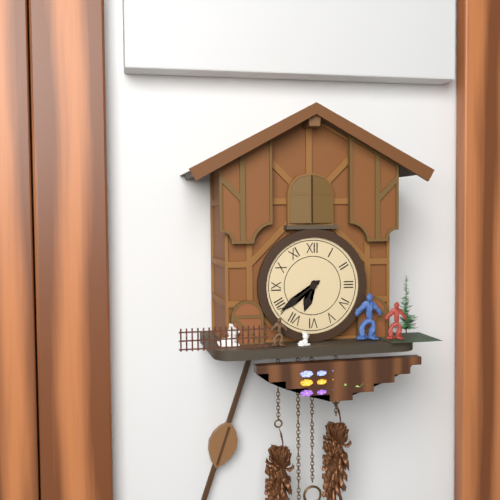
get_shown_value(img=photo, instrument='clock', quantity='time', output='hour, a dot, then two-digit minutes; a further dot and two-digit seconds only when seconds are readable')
6.39
